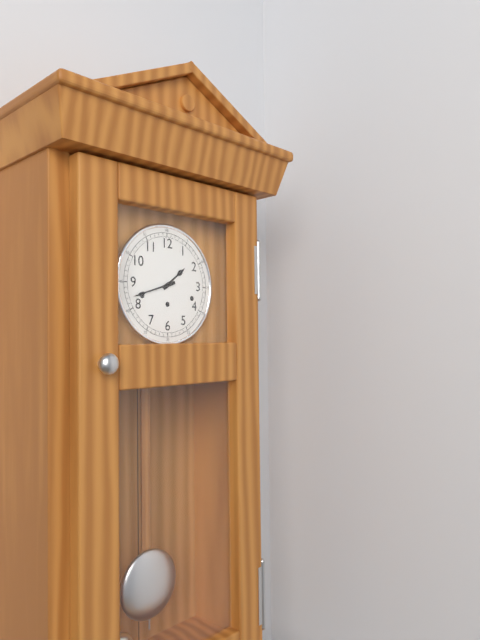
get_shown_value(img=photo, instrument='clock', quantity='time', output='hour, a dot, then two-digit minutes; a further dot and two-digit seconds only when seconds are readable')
1.42
